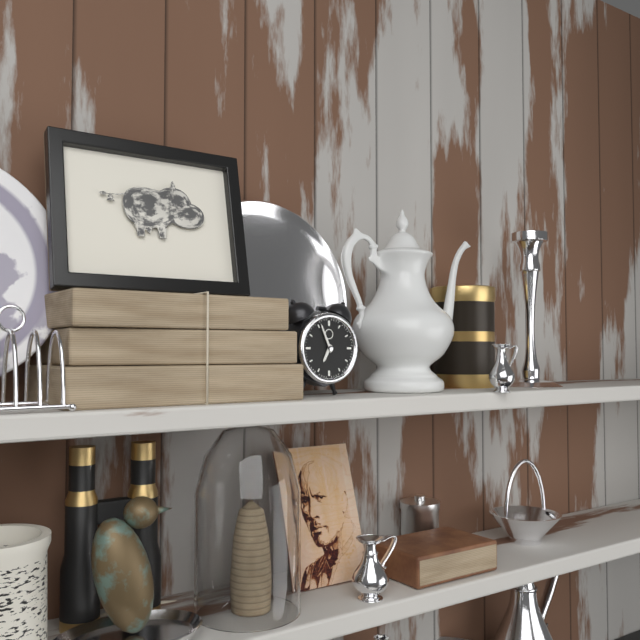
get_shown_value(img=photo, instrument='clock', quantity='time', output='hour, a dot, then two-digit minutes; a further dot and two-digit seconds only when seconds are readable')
6.56
